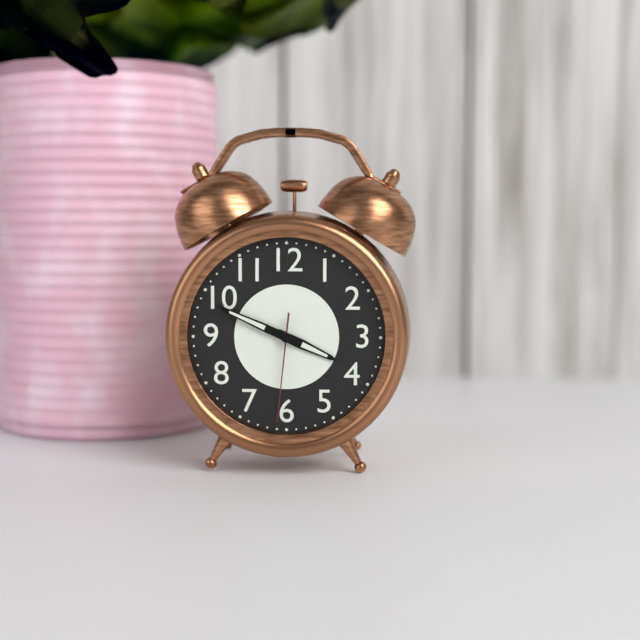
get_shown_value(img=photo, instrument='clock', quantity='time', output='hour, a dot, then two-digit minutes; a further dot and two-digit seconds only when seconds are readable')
3.49.31
